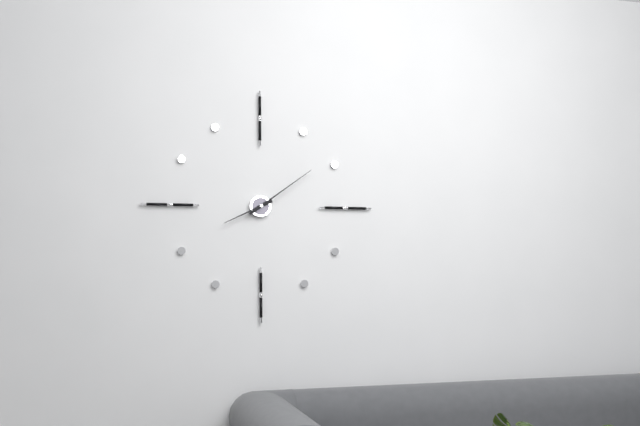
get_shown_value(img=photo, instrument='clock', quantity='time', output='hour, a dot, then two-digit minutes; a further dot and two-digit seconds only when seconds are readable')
8.09
